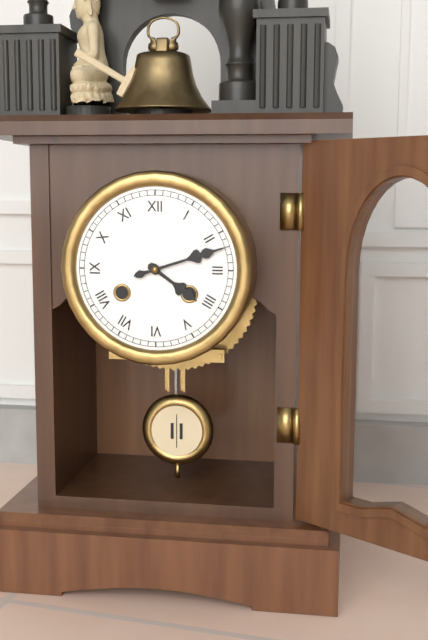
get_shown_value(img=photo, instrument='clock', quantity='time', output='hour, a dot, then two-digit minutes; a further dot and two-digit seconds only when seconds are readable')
4.12
